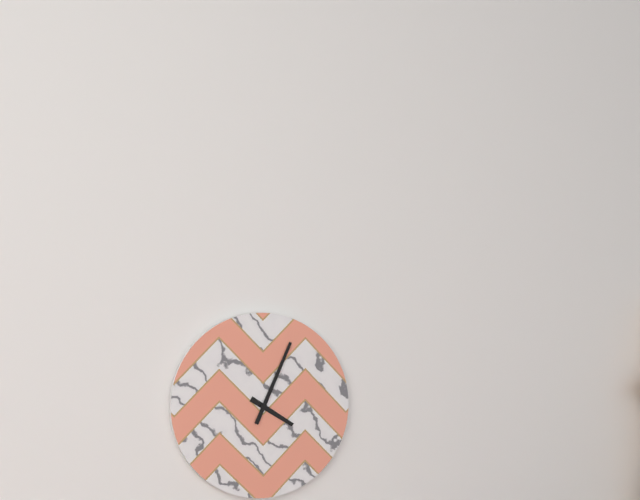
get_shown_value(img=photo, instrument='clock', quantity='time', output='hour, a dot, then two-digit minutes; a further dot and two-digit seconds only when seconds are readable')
4.04
